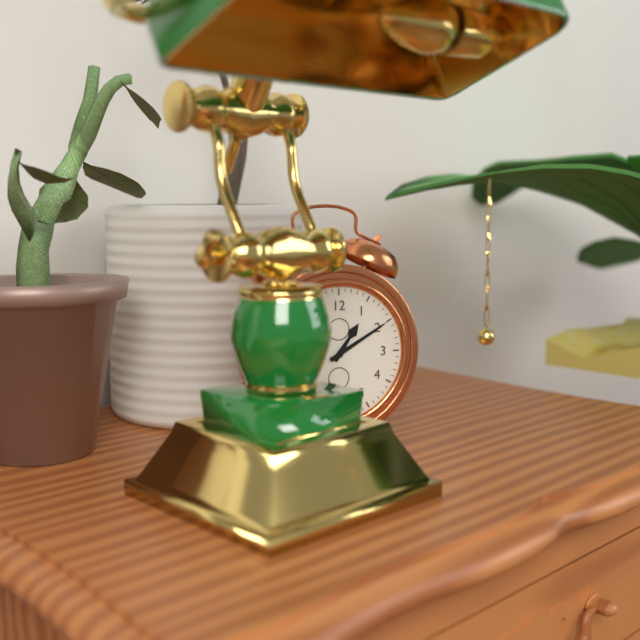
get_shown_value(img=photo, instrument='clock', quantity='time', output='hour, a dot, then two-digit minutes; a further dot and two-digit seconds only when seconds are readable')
1.10
